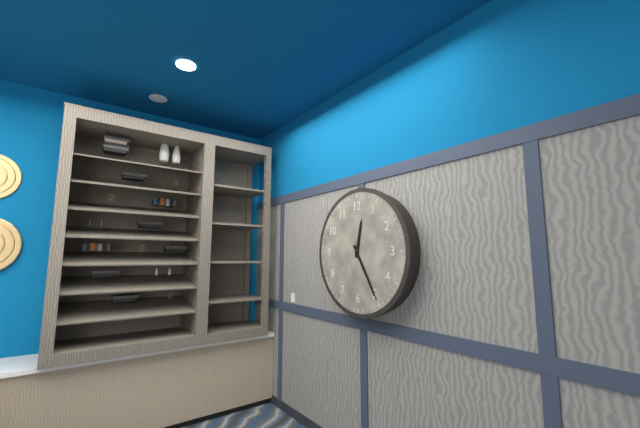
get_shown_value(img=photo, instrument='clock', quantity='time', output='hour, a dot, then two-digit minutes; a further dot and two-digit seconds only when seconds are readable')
12.25
